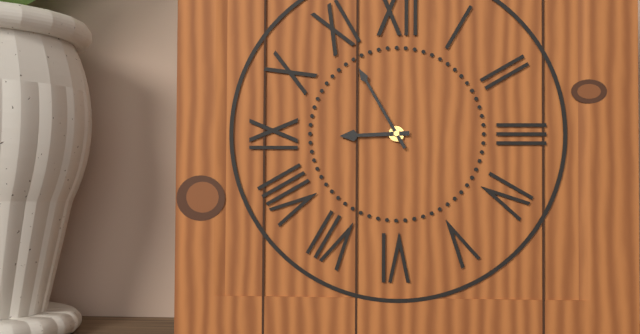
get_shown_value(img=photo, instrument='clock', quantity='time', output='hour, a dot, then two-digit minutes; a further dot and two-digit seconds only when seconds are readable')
8.55
